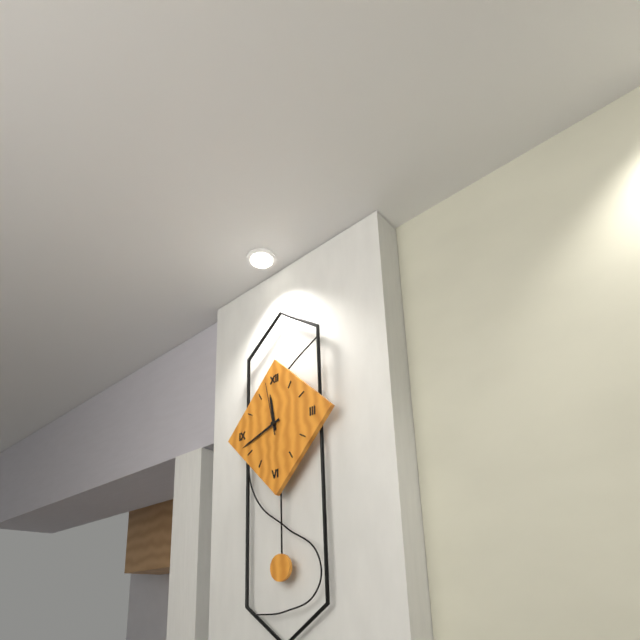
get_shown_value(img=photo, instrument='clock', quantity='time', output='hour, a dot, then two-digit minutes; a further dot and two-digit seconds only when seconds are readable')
11.42.58
